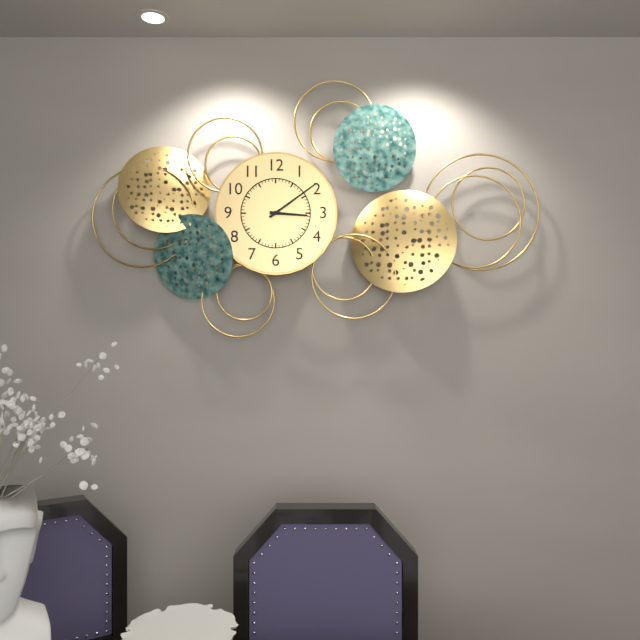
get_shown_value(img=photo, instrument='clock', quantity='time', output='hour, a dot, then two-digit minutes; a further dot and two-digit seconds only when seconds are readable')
3.09
